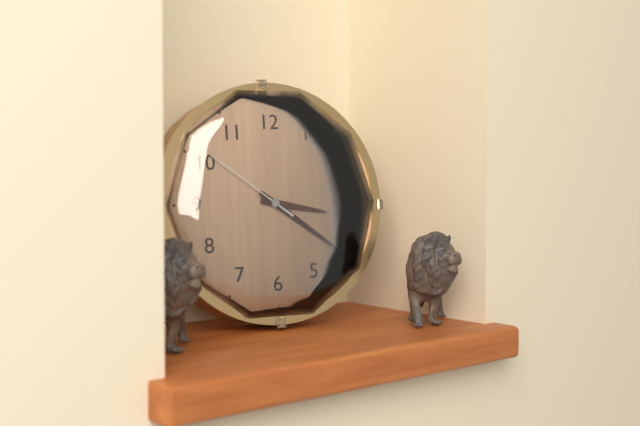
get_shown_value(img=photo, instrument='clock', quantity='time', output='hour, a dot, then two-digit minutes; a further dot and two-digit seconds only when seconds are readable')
3.21.51
